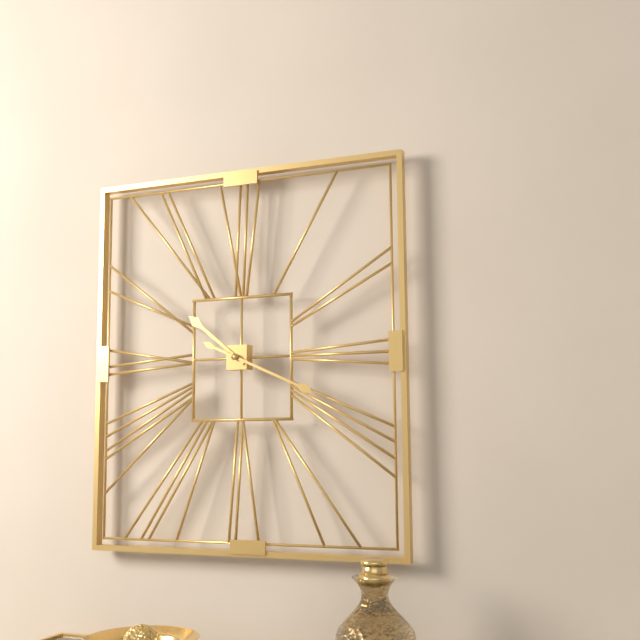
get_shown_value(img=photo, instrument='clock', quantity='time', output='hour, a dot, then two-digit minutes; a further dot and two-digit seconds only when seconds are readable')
10.19
